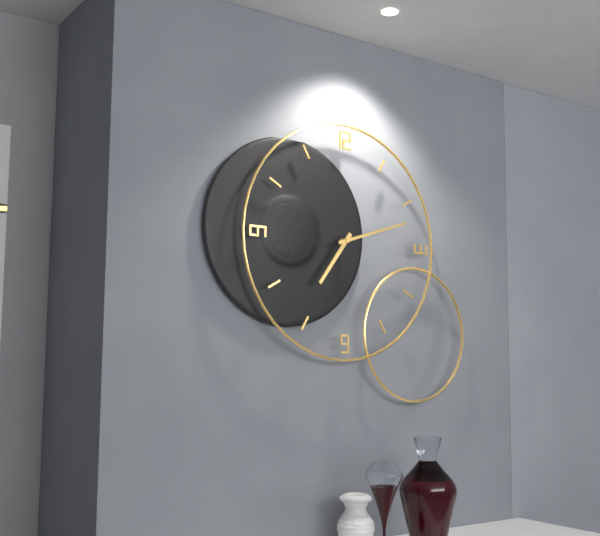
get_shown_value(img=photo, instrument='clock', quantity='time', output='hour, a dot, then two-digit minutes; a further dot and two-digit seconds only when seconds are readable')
7.12
